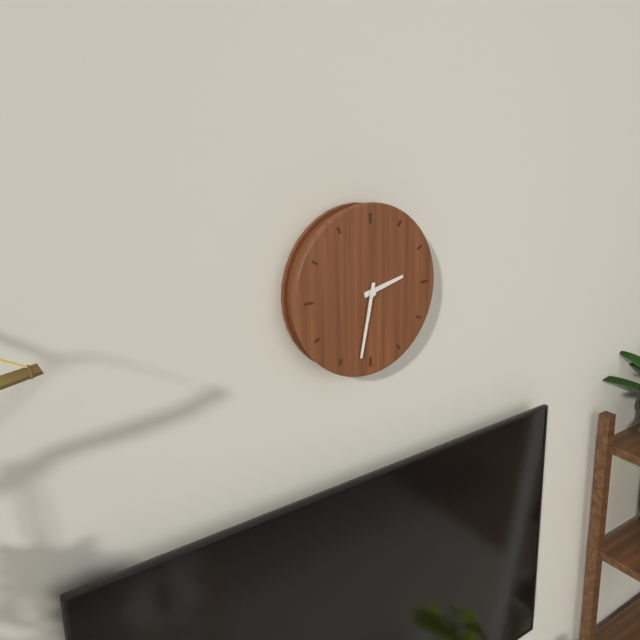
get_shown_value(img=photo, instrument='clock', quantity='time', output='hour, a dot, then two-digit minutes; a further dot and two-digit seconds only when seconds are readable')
2.32
